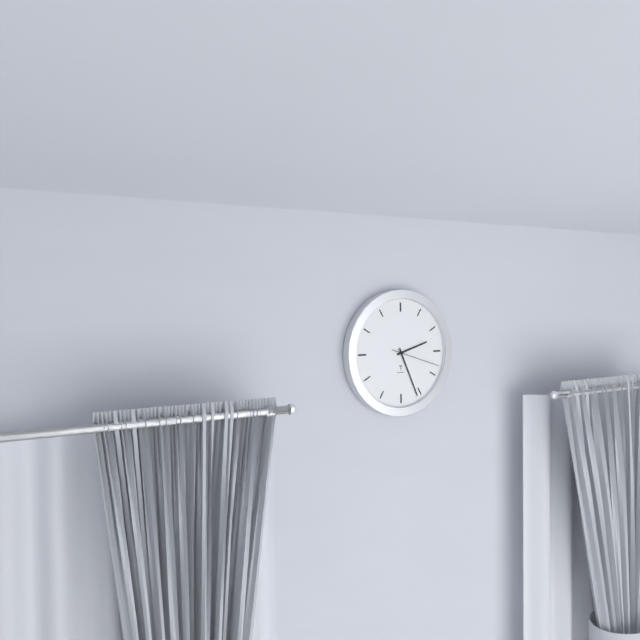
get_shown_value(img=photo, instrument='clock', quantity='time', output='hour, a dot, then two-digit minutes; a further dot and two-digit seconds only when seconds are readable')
2.26.18
